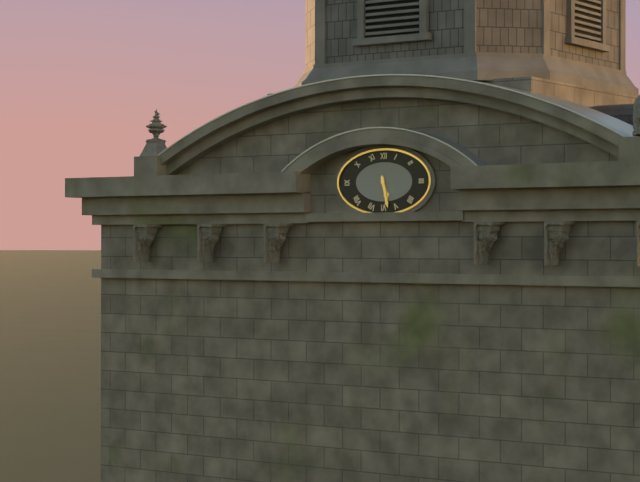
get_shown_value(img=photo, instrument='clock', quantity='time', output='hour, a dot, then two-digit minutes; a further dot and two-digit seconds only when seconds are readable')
5.28
